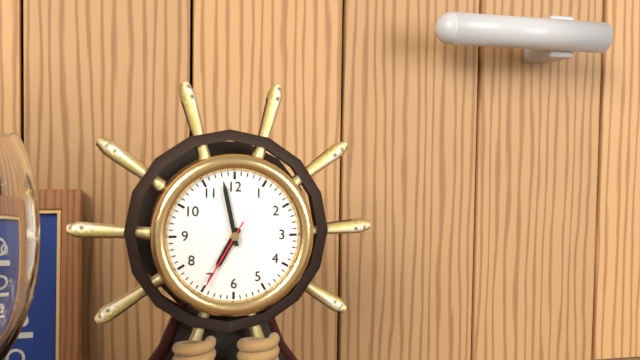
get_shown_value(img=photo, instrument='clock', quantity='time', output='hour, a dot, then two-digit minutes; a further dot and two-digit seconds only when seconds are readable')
6.58.35
